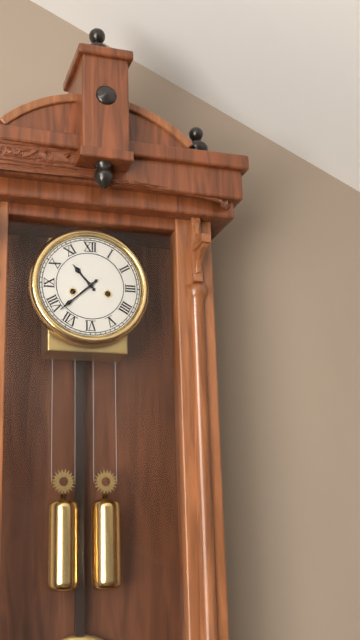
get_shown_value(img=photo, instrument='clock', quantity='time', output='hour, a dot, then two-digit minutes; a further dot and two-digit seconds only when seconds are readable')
10.38
